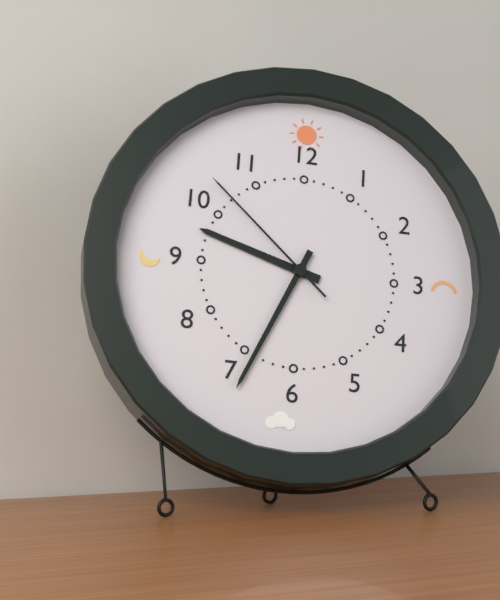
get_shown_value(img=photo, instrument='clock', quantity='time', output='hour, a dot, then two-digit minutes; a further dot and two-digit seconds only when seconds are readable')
9.34.52
